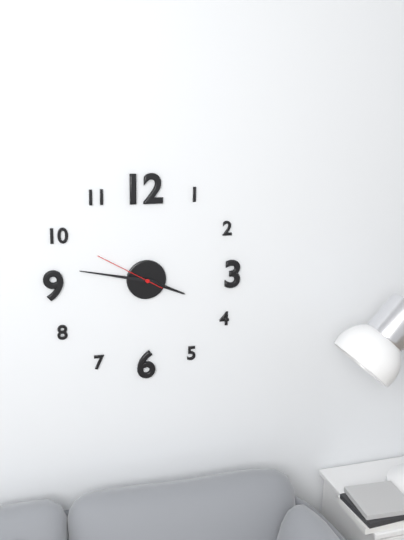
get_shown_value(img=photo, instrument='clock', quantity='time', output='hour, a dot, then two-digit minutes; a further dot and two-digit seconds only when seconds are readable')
3.47.50
